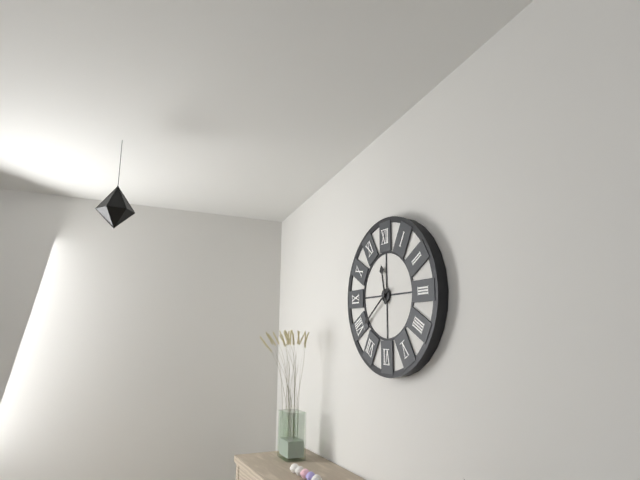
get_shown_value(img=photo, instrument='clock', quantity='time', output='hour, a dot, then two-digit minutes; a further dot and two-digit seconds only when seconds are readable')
11.39
